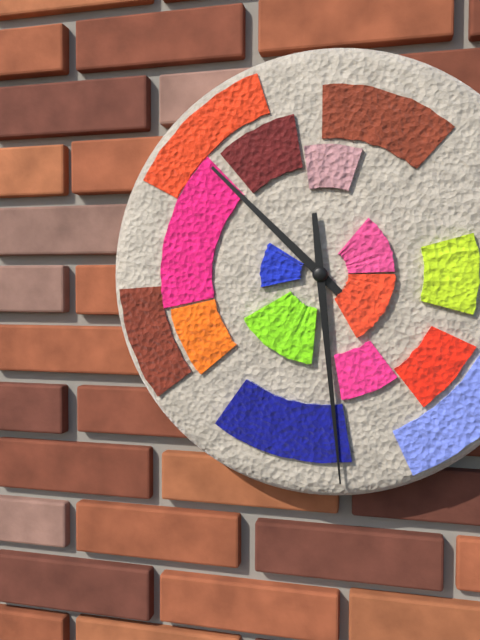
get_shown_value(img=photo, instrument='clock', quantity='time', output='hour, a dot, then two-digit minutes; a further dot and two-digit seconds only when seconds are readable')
10.29
